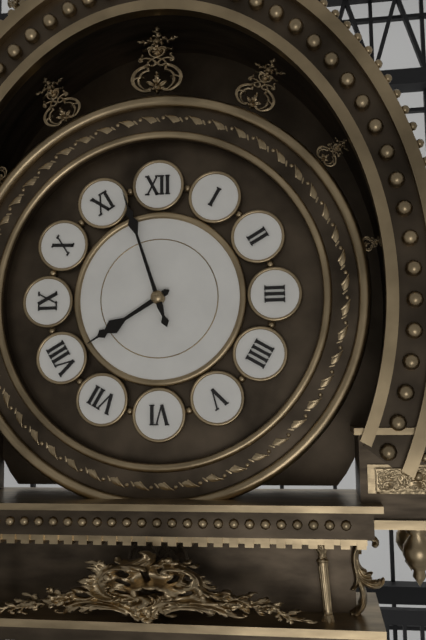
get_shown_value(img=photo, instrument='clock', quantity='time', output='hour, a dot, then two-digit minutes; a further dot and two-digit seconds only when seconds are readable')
7.57
